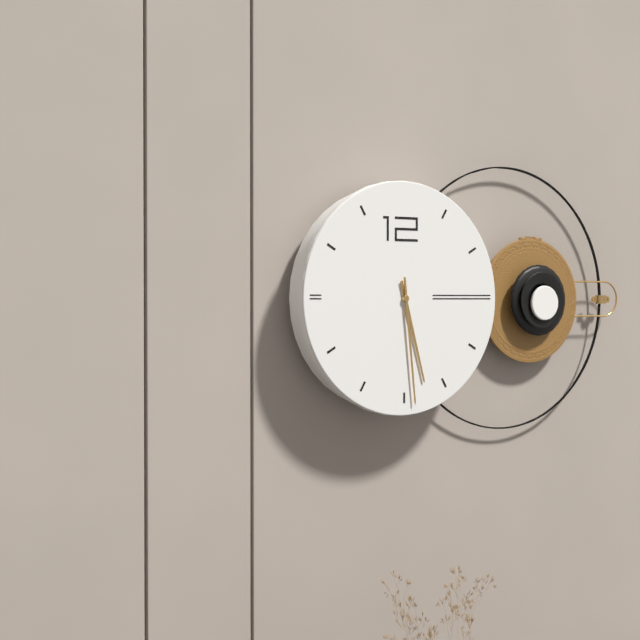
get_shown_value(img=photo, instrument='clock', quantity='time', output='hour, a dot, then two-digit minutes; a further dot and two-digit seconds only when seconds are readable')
5.29
